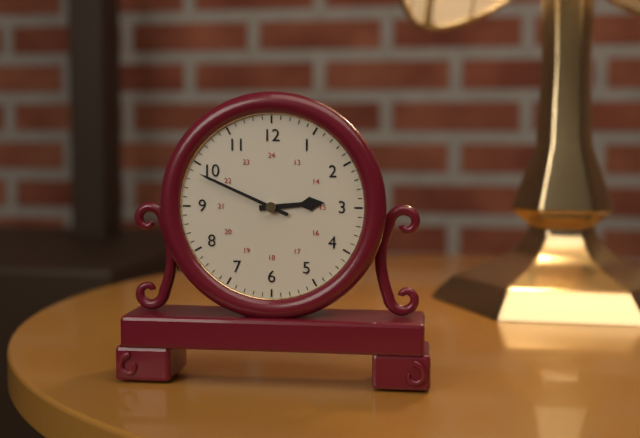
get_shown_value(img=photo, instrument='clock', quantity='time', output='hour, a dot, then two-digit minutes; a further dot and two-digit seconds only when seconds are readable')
2.49
